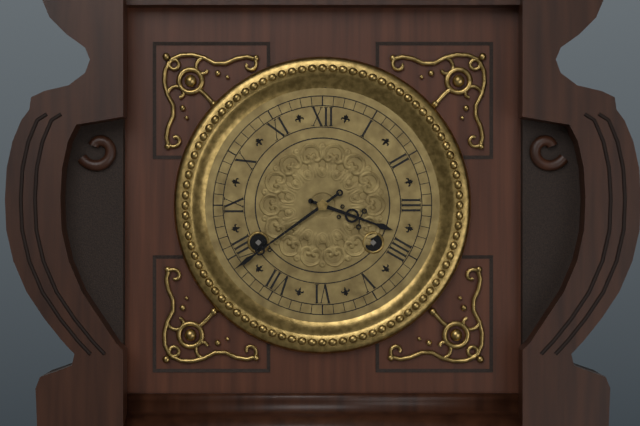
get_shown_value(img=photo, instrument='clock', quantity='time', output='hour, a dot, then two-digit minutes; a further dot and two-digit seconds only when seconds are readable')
3.39
